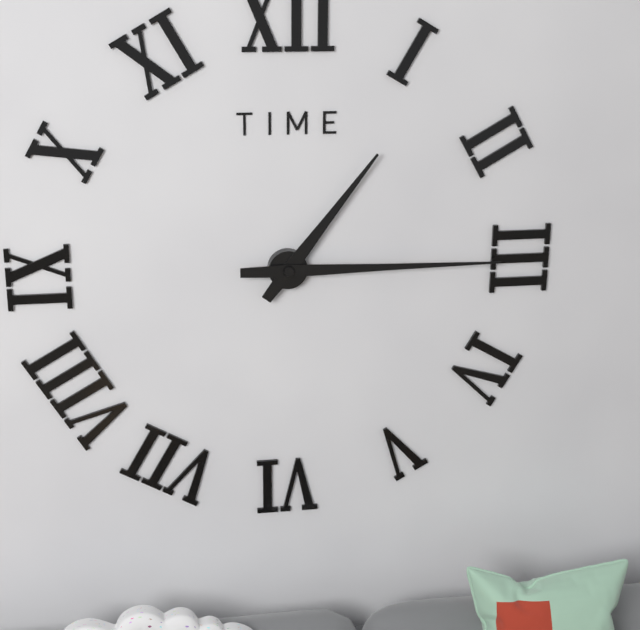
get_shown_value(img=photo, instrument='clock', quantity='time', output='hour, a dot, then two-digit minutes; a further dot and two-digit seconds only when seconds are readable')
1.15
